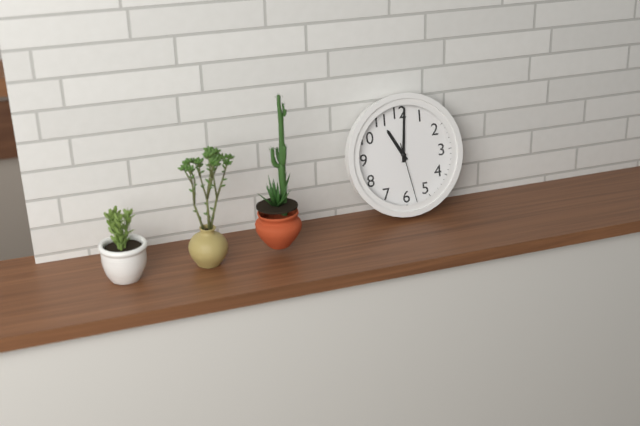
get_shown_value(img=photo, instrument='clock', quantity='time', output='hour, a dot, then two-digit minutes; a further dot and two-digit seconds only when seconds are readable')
11.01.28
